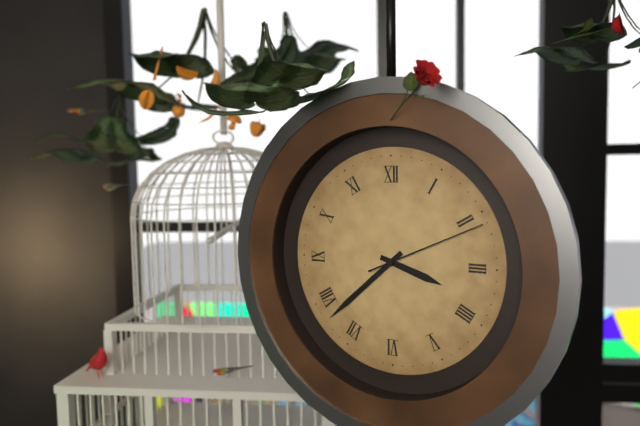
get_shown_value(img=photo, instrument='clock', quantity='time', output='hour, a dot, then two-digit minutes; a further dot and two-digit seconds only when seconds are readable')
3.38.11
